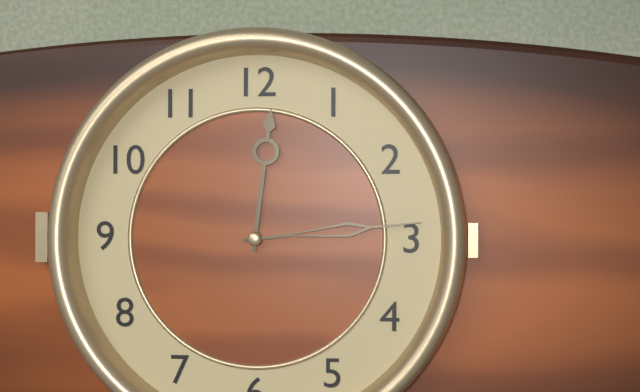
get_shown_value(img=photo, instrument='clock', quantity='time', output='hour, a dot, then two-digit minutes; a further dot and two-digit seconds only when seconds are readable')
12.14
